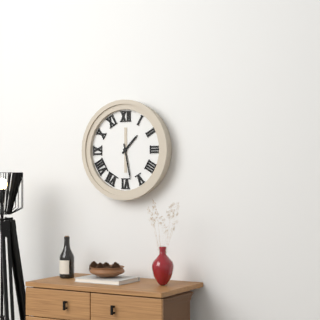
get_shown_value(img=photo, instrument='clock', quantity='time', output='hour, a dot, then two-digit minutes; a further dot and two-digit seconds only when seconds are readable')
1.28
